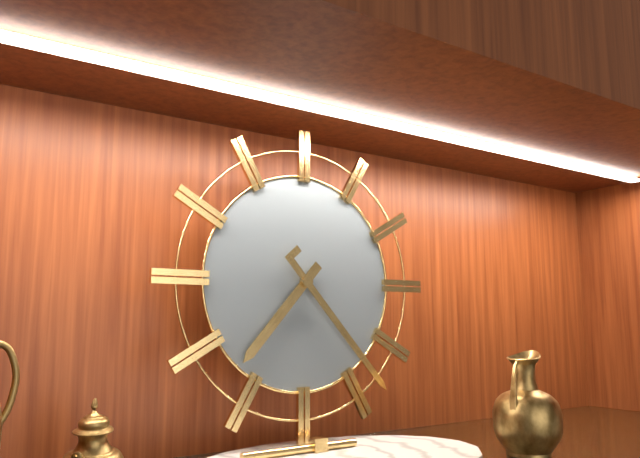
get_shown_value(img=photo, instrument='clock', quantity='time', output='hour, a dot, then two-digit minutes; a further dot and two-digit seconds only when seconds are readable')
7.23
